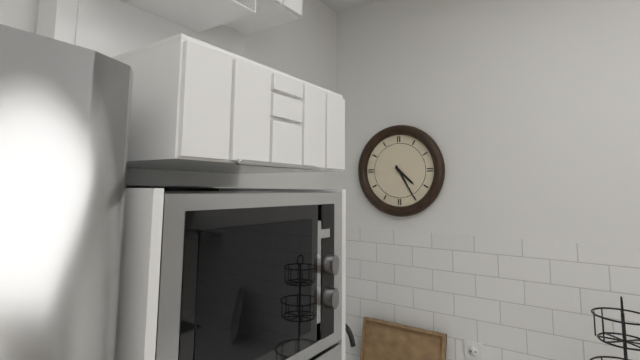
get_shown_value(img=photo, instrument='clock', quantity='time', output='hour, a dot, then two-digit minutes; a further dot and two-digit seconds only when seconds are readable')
4.25
